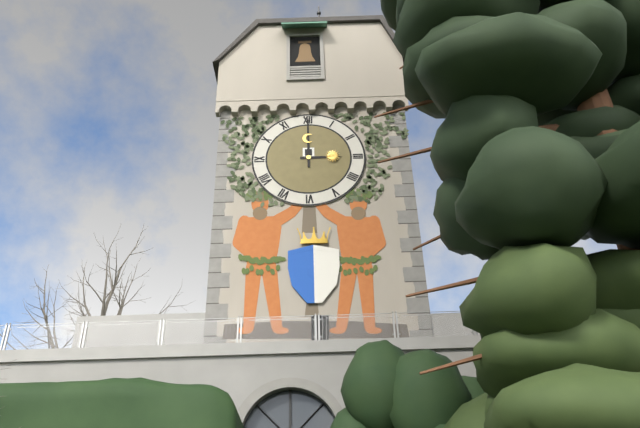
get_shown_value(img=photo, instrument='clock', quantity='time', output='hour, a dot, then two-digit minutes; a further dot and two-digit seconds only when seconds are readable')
3.00
